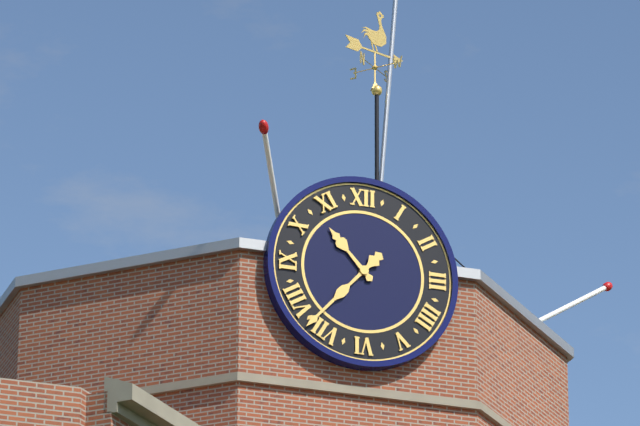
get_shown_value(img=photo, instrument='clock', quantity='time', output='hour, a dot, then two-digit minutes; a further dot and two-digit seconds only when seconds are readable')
10.37
